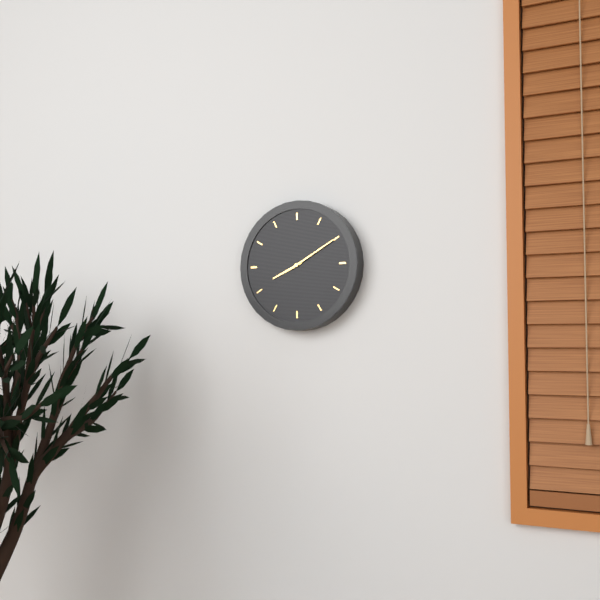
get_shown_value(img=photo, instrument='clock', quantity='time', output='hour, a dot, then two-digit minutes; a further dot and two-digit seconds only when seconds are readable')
8.10
